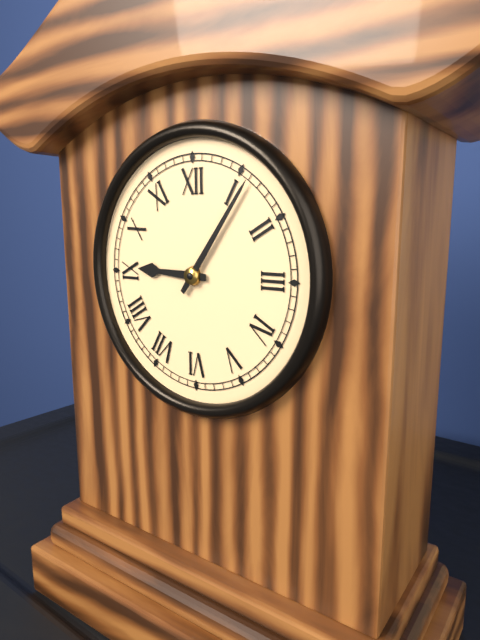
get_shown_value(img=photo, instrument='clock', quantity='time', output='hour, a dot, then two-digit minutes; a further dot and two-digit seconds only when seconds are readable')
9.06
